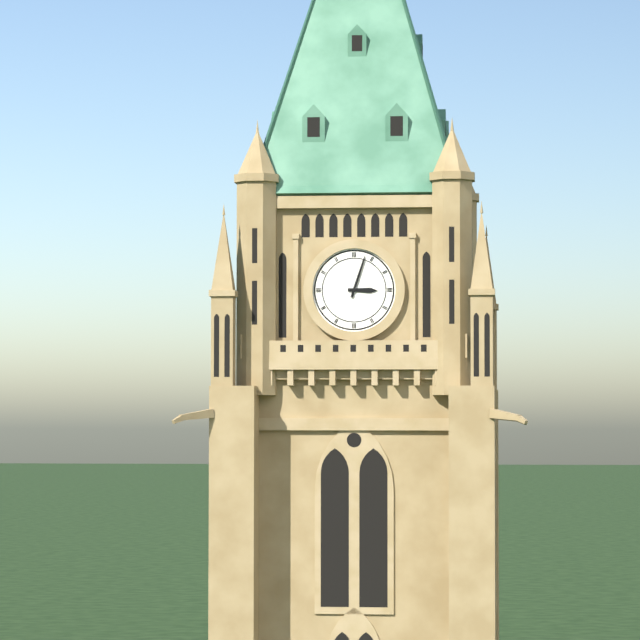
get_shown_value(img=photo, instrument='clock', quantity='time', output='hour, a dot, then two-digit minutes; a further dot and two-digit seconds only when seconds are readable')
3.03
